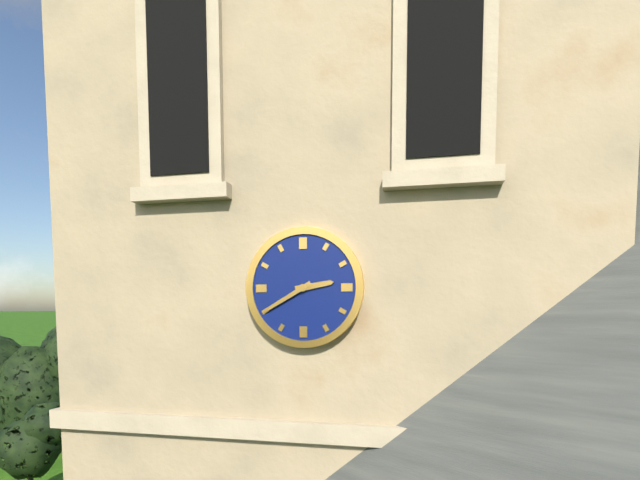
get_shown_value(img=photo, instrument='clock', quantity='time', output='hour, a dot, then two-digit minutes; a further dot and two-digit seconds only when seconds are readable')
2.40
